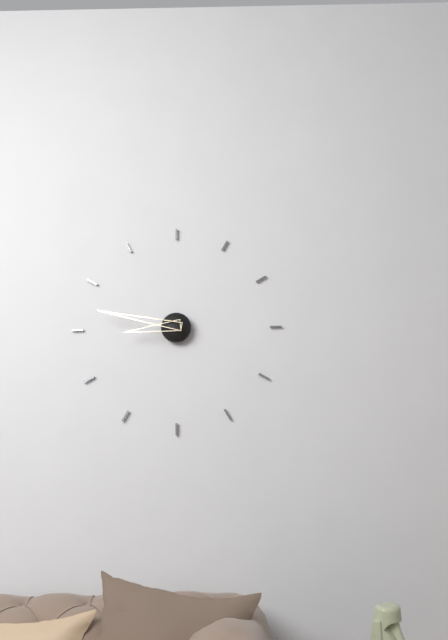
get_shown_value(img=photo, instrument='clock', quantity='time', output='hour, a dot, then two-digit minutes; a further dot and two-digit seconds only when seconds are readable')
8.47
